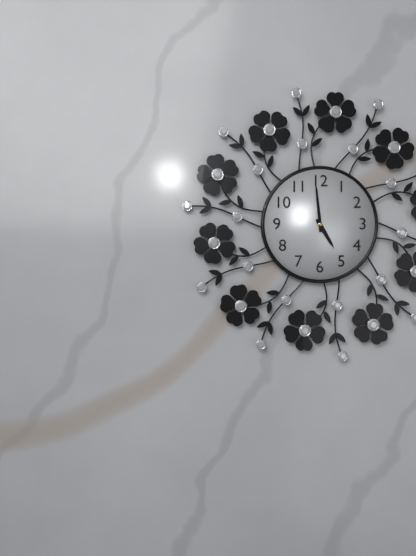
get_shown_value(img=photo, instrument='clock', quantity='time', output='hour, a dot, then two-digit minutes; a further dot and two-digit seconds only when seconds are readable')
4.59
